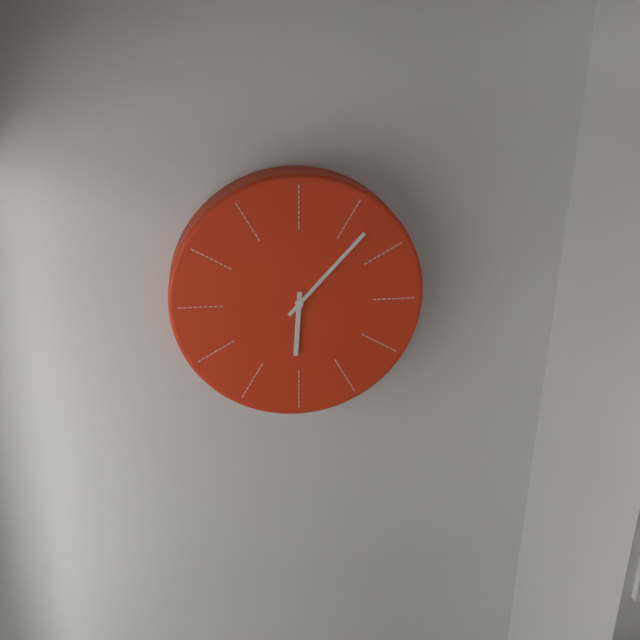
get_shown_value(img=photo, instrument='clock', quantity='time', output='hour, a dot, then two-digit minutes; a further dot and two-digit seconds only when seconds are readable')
6.07
